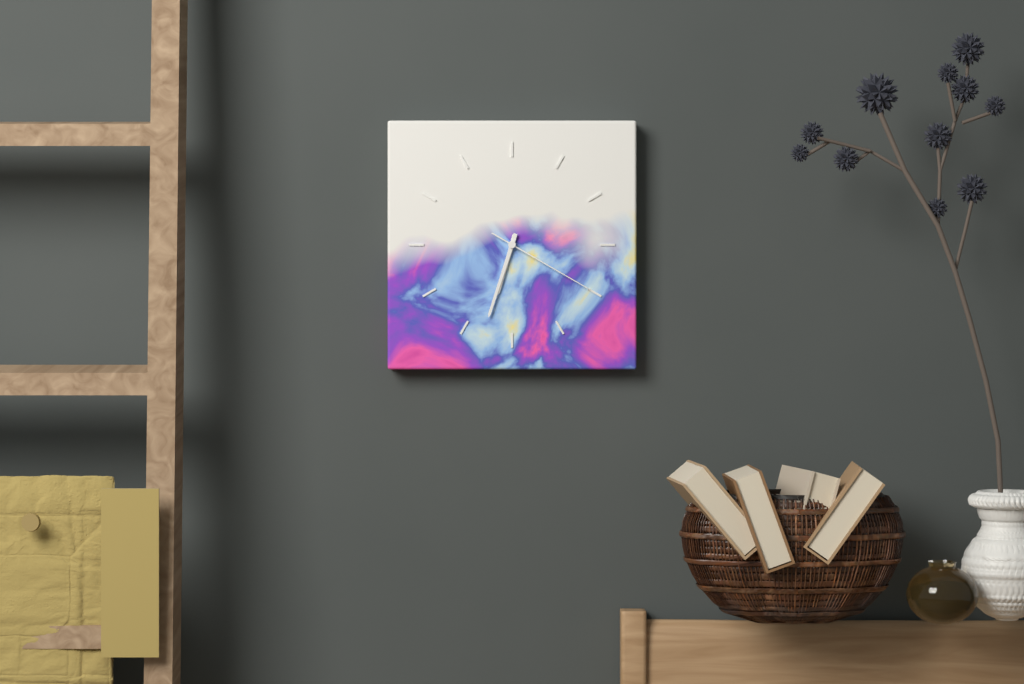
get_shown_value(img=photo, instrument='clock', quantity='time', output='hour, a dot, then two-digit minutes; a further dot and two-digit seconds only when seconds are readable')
6.33.20
